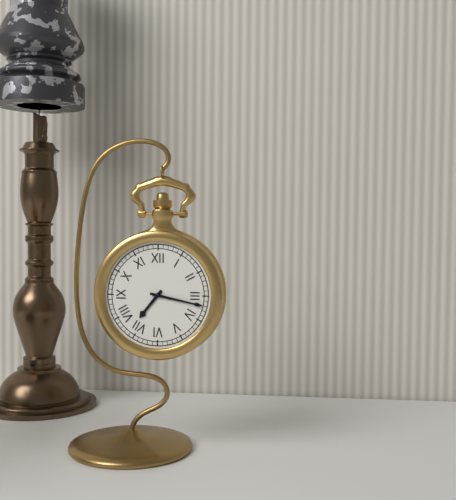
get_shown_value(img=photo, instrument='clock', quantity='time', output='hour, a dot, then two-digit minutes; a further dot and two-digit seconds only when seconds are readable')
7.17
